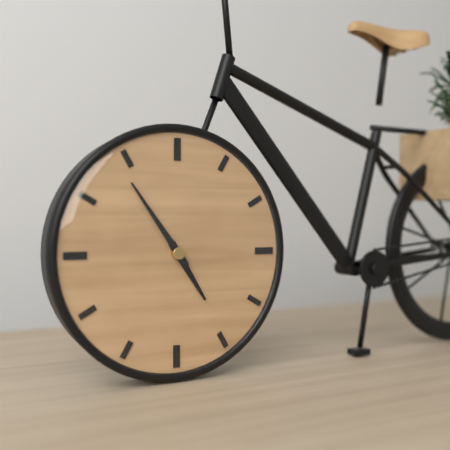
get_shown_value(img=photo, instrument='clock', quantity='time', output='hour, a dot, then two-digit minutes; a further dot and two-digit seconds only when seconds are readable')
4.54
